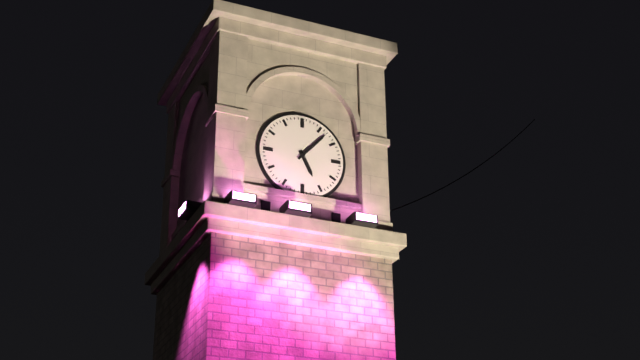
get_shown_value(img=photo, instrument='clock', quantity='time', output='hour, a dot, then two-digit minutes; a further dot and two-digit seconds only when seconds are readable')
5.07
